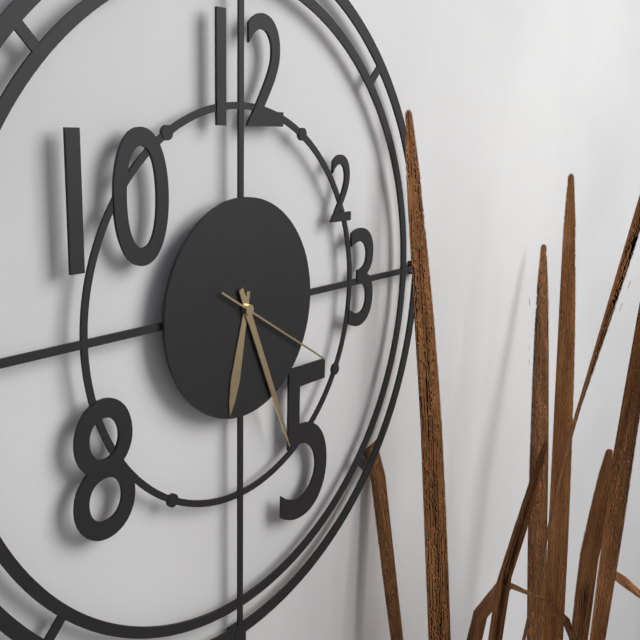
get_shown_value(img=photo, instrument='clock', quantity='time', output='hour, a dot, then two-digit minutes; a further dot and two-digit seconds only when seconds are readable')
6.26.20
